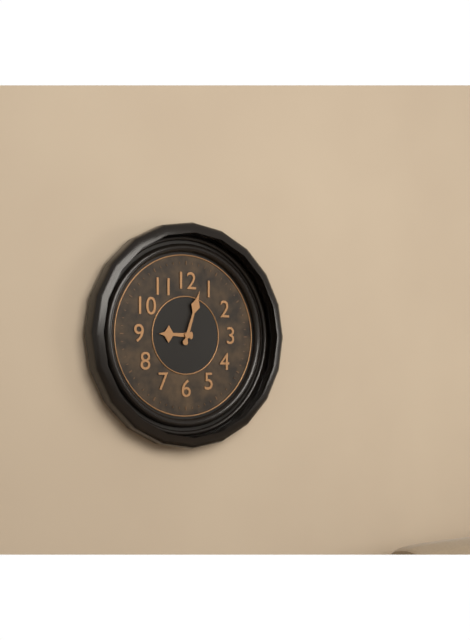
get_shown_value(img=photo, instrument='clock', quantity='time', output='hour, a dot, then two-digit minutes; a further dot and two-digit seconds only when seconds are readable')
9.03
